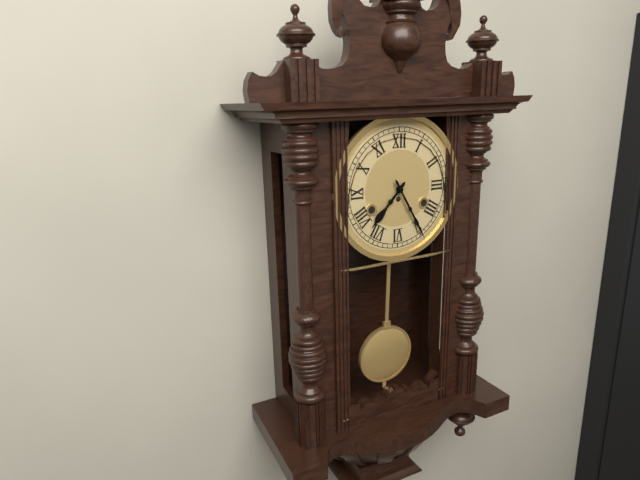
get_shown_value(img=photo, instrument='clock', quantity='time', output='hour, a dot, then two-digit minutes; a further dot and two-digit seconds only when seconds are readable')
7.25
